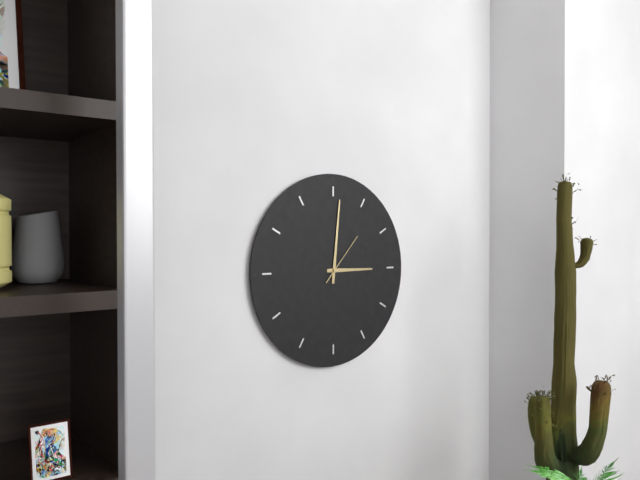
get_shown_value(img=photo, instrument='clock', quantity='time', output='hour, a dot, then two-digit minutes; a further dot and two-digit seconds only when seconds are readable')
3.01.07
